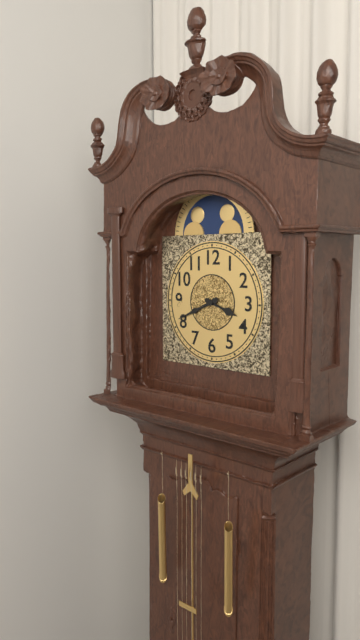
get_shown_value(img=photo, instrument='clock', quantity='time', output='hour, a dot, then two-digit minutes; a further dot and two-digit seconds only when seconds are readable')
3.41
